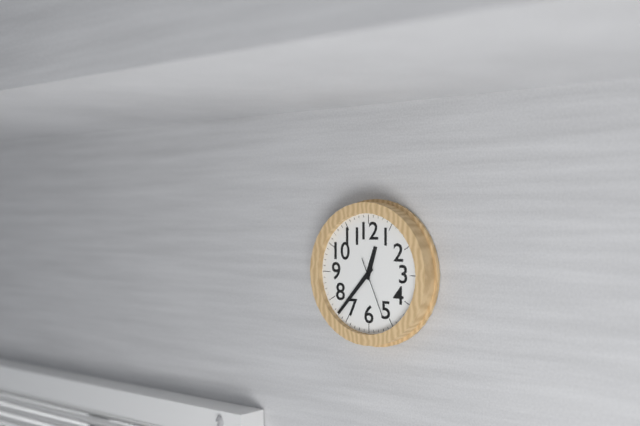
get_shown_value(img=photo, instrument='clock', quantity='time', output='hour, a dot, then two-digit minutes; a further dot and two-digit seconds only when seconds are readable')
12.37.26
